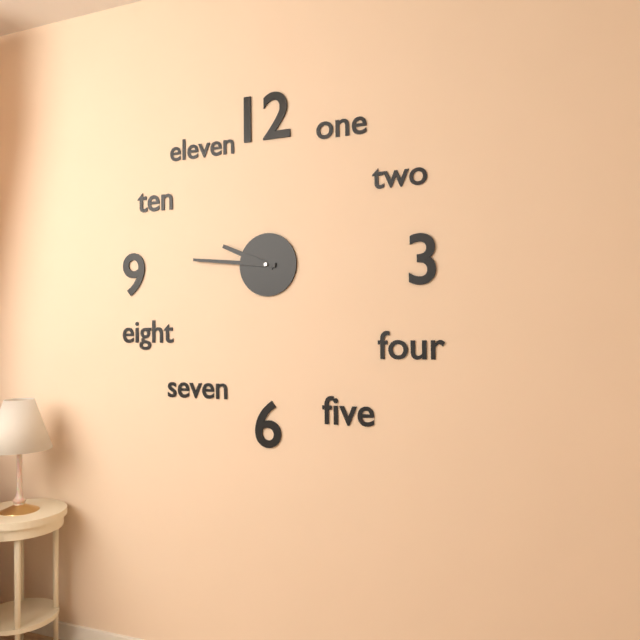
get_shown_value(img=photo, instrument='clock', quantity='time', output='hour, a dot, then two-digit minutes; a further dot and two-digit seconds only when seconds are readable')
9.46
